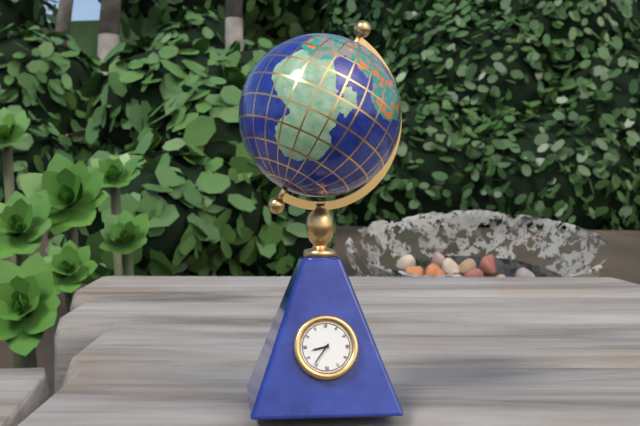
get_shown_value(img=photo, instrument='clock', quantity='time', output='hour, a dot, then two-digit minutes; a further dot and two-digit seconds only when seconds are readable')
8.36
